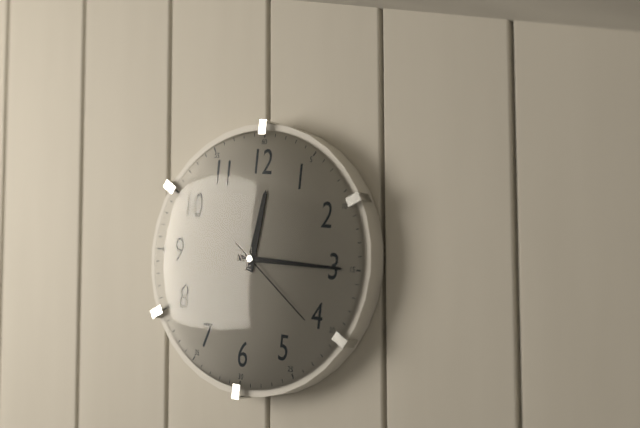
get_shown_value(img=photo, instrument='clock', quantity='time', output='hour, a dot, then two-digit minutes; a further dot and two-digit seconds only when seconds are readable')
12.15.21
